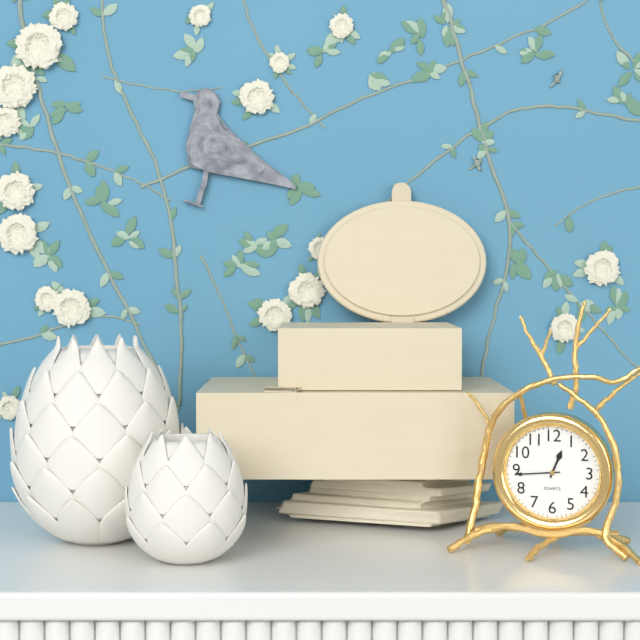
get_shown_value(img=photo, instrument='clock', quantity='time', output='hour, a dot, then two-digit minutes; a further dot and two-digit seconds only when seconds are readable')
12.44
